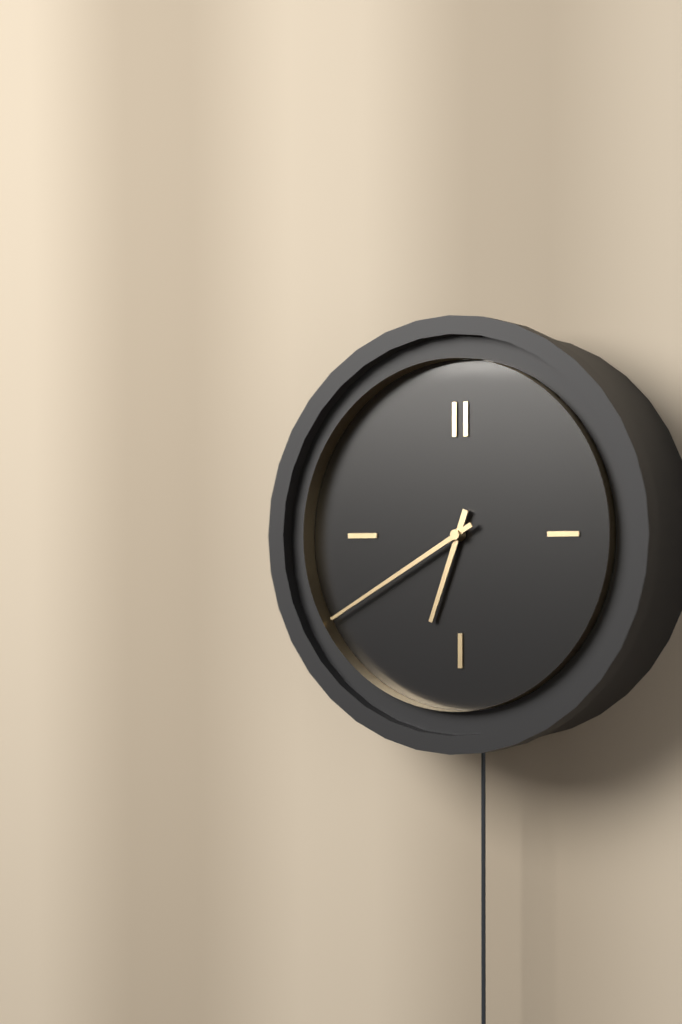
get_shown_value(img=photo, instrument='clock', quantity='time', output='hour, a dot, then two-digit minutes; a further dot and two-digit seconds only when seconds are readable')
6.40
